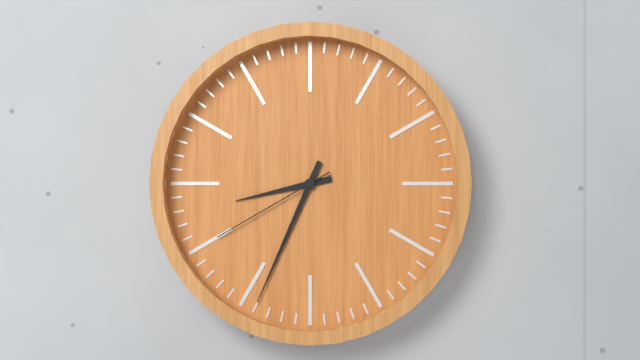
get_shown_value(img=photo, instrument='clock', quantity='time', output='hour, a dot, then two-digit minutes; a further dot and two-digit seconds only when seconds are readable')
8.34.40
